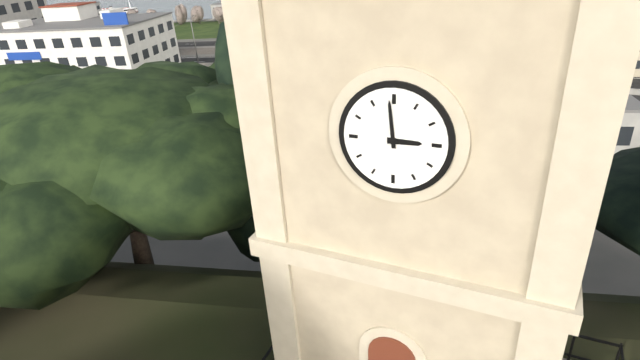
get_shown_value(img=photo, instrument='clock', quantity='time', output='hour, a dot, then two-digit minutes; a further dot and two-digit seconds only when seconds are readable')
2.59
